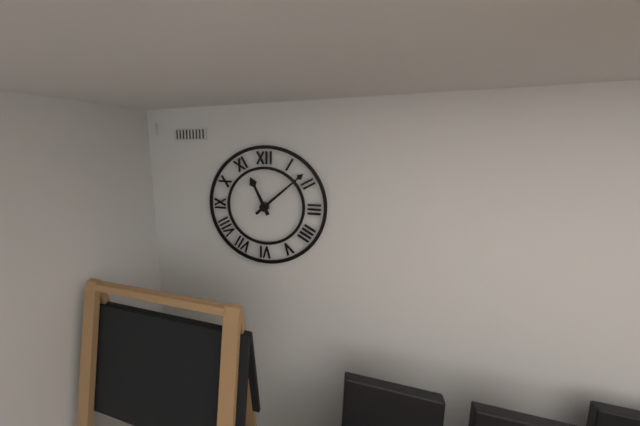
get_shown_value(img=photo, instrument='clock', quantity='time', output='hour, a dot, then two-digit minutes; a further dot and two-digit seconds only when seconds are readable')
11.08
